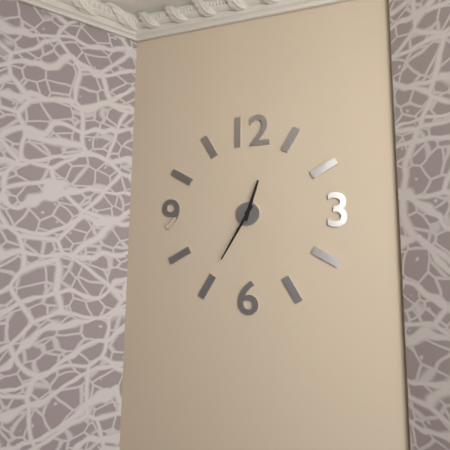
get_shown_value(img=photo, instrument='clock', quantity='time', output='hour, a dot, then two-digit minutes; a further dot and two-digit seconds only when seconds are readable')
12.35
